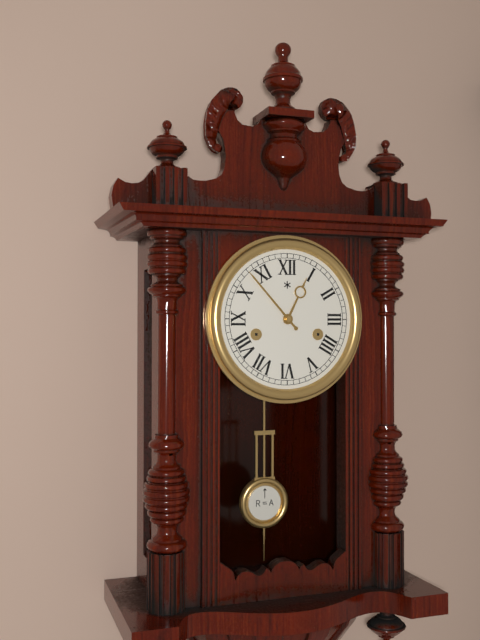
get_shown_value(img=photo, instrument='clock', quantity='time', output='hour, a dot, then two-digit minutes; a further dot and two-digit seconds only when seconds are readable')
12.53
